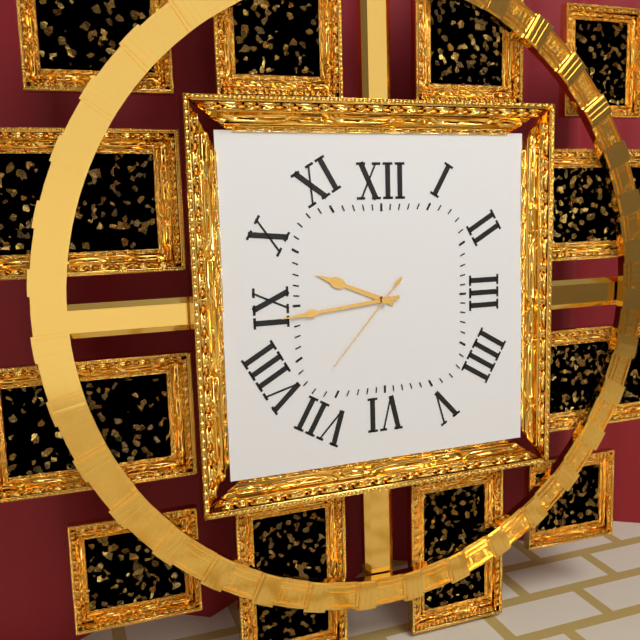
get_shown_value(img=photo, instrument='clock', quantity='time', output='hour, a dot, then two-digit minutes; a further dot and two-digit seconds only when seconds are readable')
9.44.37
